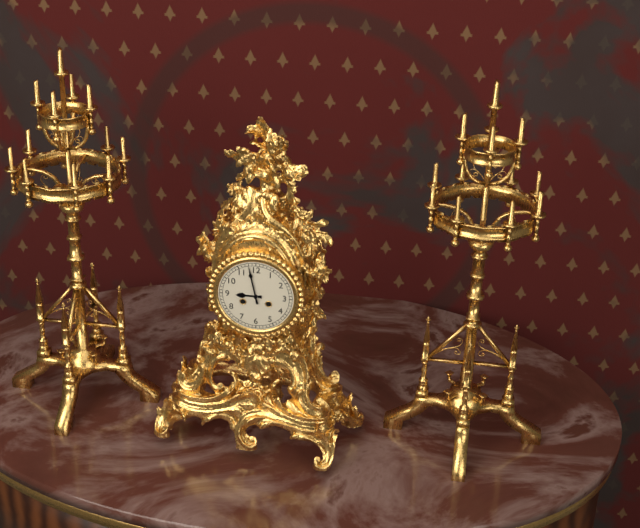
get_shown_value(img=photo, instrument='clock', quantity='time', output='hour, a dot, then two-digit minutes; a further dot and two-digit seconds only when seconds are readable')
8.58
